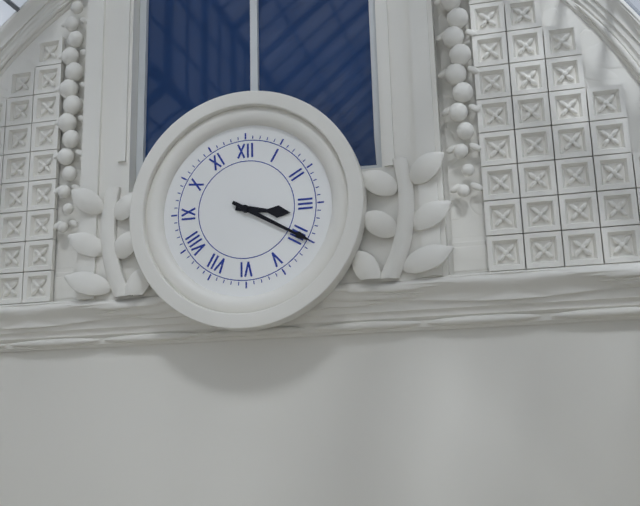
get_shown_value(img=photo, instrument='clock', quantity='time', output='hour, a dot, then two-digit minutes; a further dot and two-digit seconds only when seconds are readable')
3.20
